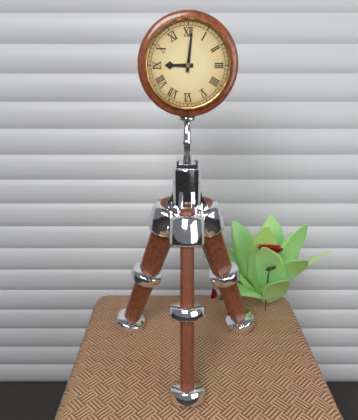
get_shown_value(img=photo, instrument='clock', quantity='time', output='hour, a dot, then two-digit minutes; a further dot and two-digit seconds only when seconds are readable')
9.01
